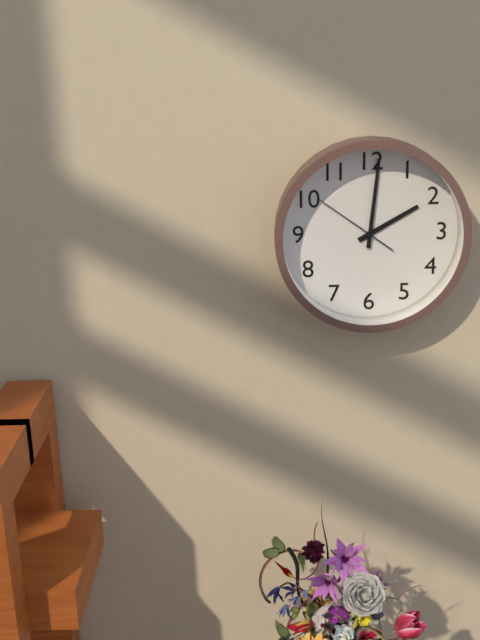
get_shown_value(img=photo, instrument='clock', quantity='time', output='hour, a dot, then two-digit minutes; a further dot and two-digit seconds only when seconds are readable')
2.01.51
